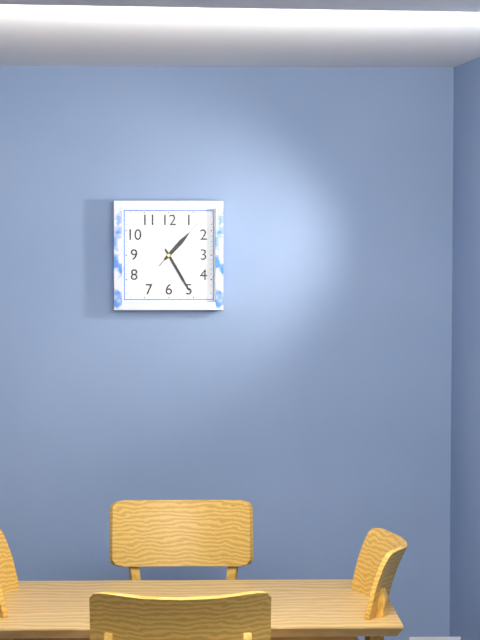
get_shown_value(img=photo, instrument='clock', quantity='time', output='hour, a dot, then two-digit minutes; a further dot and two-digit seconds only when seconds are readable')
1.25.07
